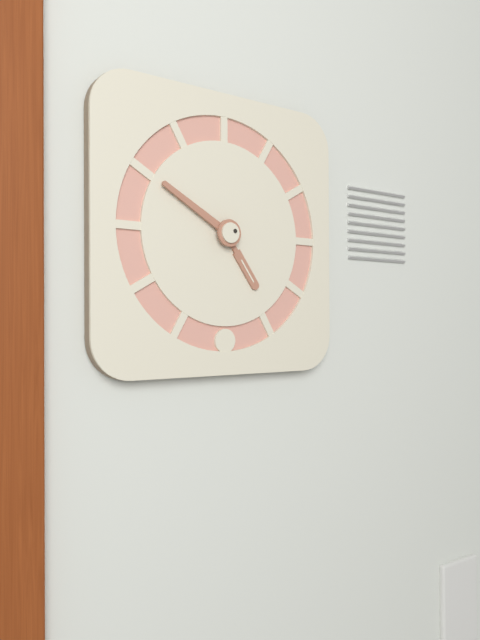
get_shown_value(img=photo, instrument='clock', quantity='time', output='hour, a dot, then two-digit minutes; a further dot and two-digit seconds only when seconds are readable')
4.50
